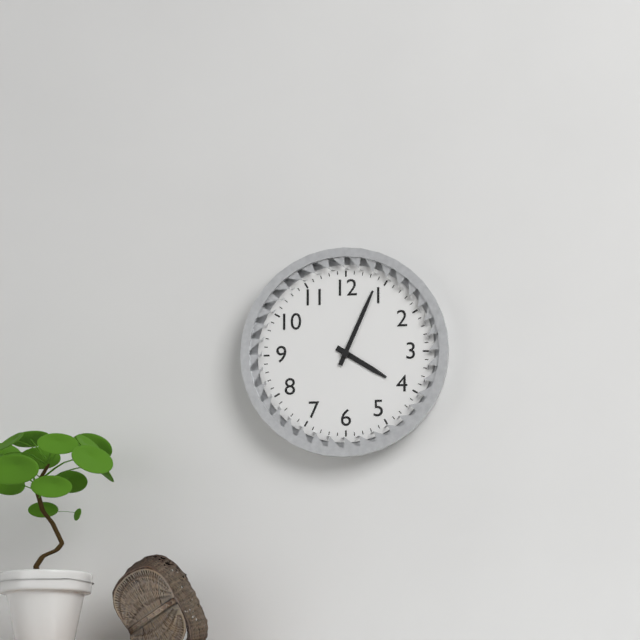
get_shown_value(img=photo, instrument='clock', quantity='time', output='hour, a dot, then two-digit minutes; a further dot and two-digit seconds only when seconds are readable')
4.04
